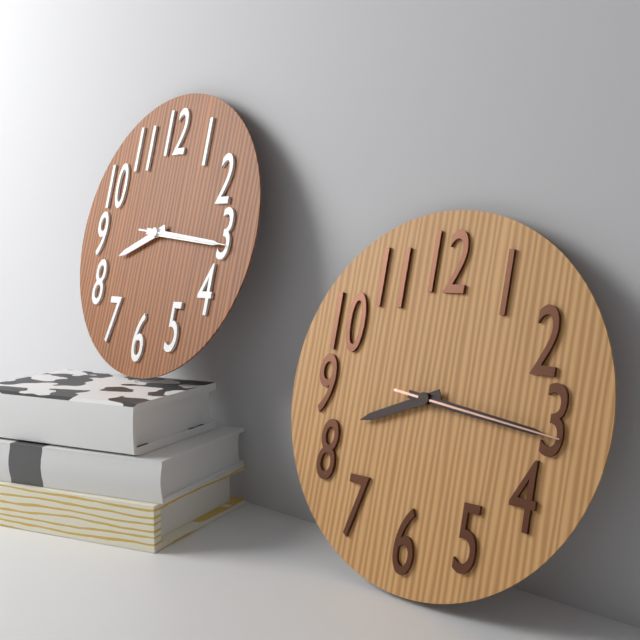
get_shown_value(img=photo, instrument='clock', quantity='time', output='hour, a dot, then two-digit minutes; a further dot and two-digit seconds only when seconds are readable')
8.16.16
